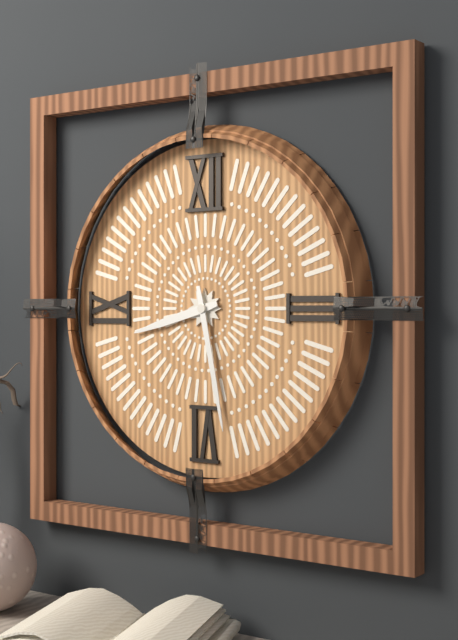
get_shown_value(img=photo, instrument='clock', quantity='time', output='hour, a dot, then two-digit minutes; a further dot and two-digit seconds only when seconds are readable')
8.28
